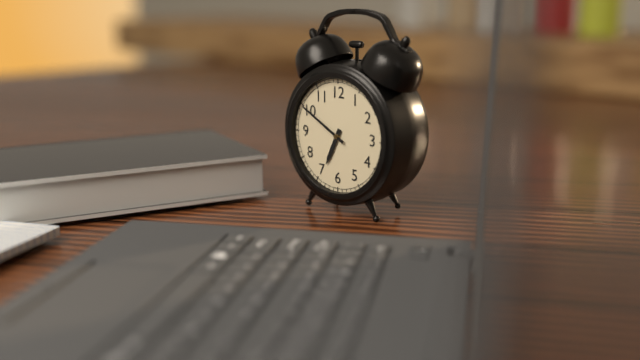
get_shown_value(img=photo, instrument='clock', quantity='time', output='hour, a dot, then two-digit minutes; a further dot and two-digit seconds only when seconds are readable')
6.50
